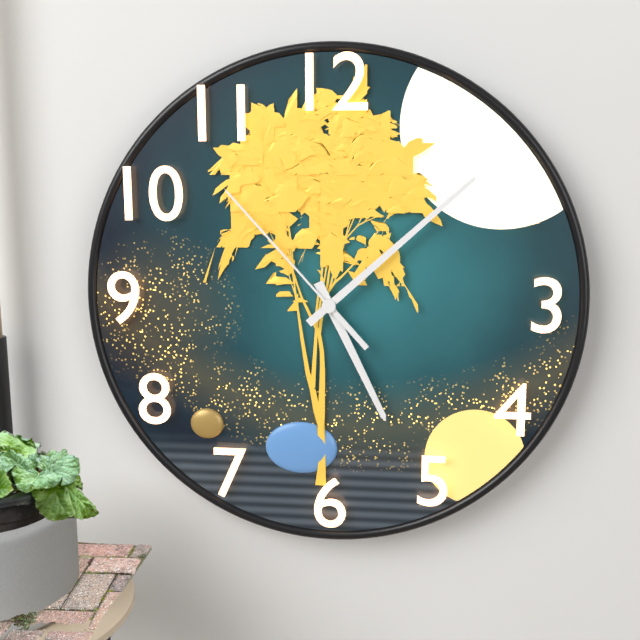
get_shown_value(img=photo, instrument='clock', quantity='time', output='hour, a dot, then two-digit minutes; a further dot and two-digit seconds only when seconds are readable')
5.08.53
